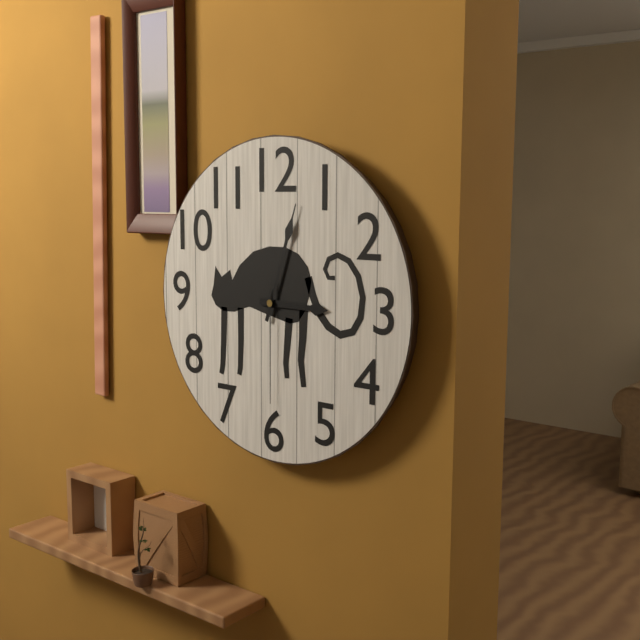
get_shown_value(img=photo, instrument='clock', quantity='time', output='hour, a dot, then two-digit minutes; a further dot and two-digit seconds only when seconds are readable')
3.03.30
